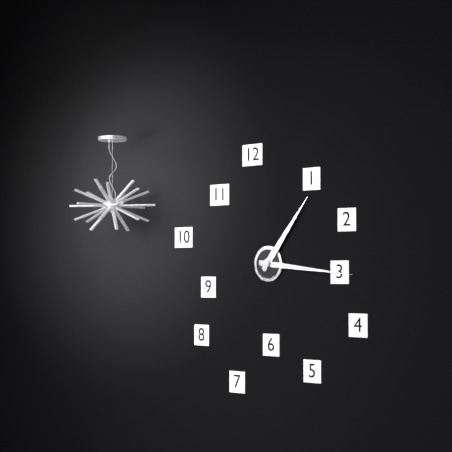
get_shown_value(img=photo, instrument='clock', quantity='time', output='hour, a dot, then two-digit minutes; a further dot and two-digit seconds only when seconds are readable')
1.16
